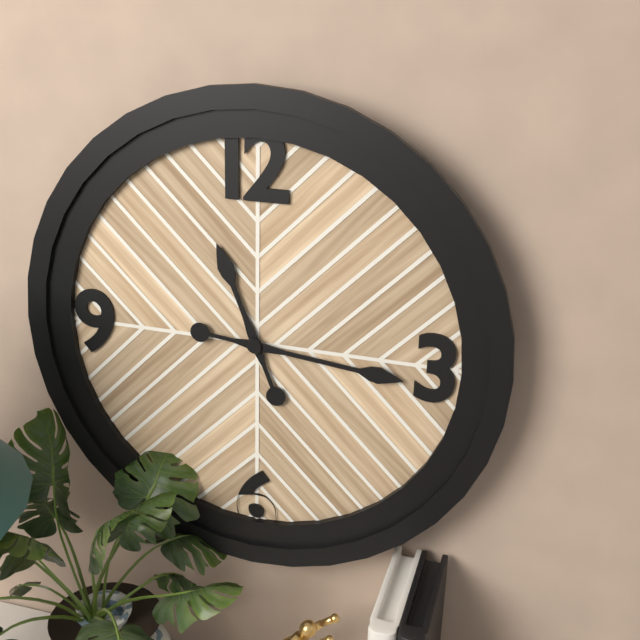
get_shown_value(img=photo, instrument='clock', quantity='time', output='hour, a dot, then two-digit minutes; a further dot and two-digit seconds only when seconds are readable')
11.16
